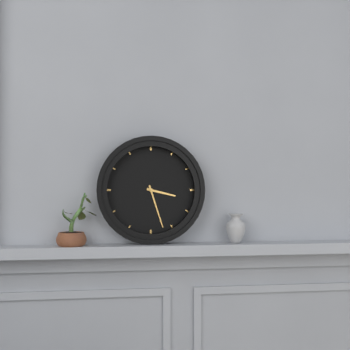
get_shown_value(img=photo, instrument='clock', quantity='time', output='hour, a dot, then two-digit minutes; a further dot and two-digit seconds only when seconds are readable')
3.27
